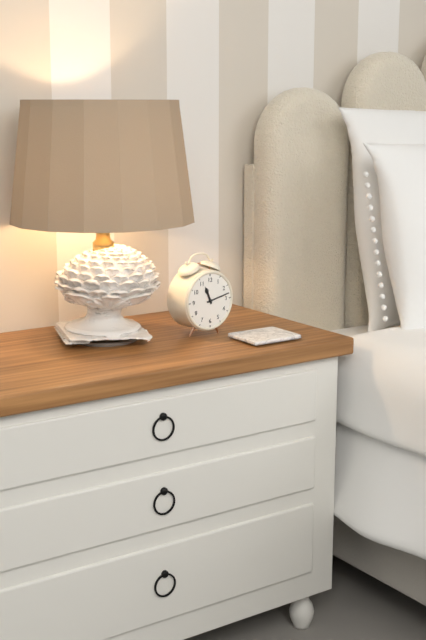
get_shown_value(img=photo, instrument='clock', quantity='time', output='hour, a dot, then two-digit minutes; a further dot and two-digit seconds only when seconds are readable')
11.13
